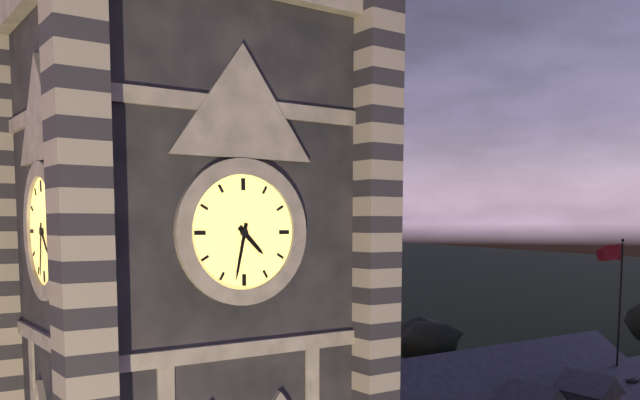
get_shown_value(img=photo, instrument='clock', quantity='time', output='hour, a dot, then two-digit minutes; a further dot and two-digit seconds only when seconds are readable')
4.32
